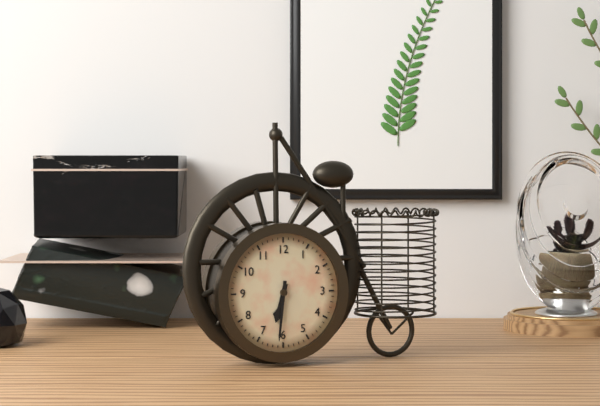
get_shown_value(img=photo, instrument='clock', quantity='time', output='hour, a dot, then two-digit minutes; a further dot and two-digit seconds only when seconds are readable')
6.31
